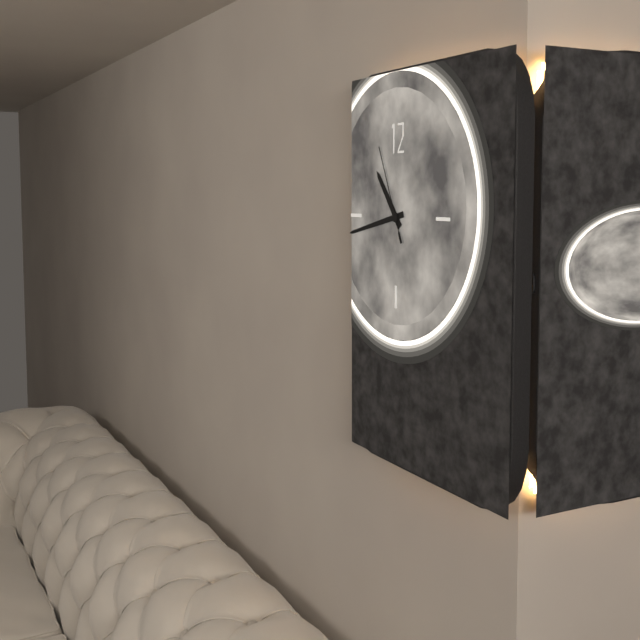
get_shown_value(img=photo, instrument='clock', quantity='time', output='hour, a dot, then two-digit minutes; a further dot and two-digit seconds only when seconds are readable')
10.43.56
